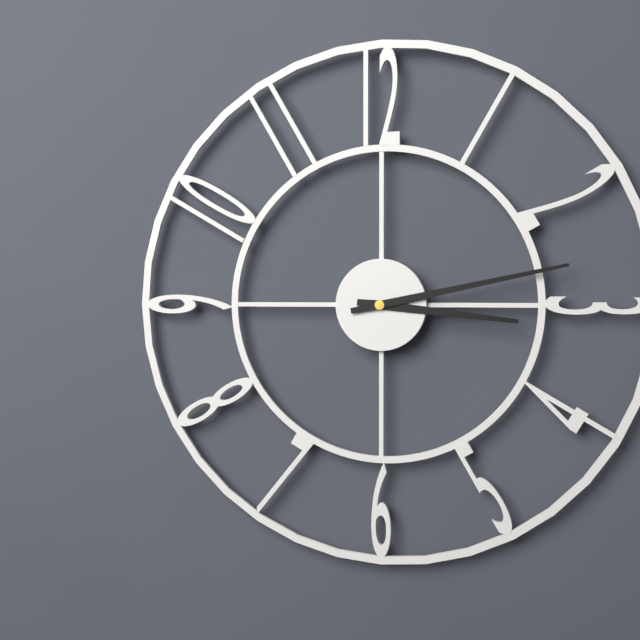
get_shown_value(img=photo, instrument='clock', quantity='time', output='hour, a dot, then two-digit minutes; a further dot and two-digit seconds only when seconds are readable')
3.13
